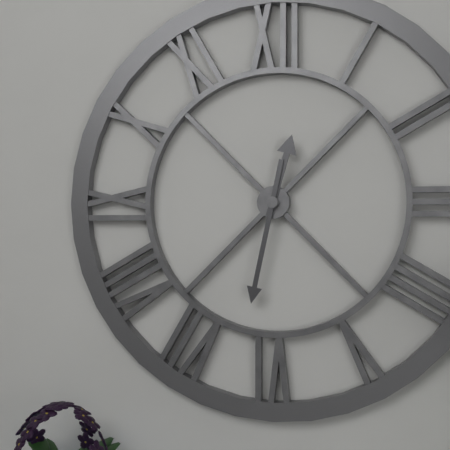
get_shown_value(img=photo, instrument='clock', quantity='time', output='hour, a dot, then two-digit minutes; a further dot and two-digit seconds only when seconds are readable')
12.32
